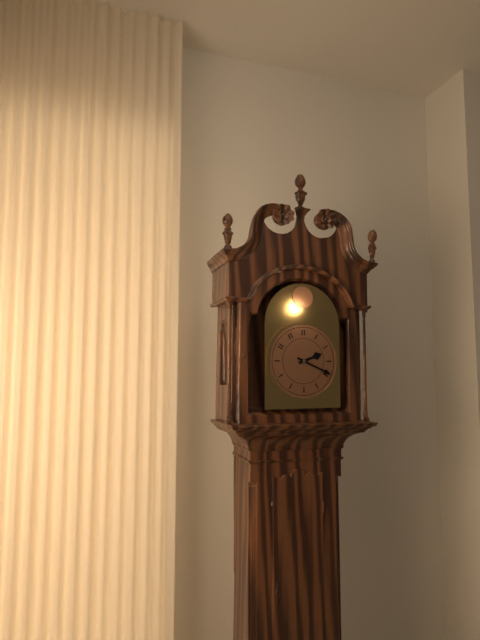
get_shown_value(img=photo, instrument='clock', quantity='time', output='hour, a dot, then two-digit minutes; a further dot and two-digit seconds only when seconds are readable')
2.19
